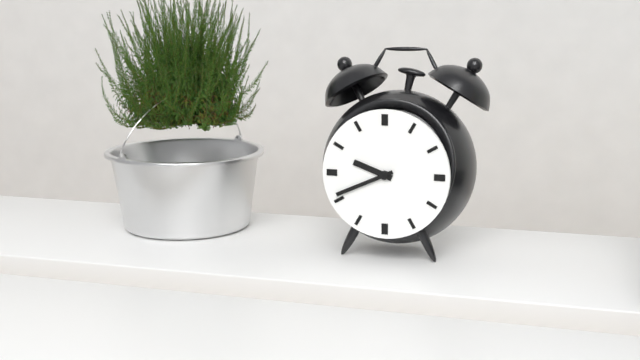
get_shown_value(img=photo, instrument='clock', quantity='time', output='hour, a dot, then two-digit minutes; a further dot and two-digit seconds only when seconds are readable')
9.41
